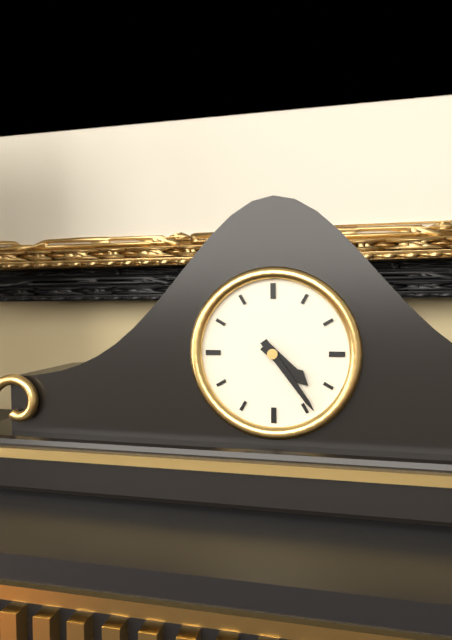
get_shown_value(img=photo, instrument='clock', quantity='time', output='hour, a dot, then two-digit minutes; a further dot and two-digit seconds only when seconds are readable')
4.24
